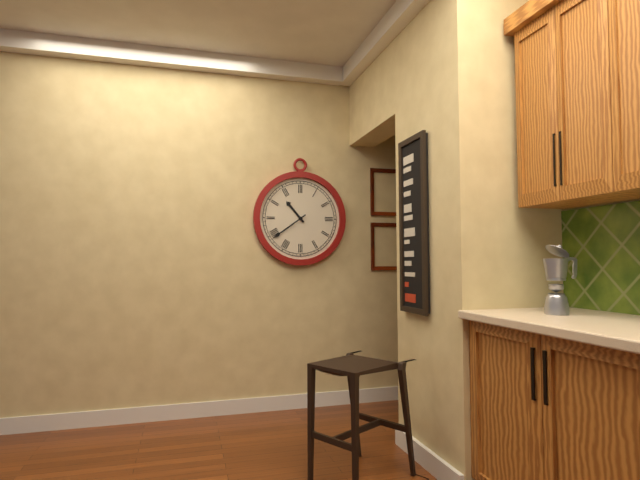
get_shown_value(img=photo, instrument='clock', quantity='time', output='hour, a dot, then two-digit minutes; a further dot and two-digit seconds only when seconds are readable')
10.39
